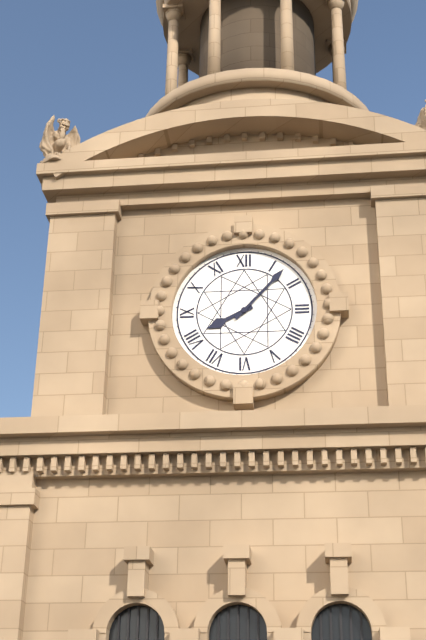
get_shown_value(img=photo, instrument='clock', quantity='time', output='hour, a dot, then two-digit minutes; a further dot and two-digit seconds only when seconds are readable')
8.07
